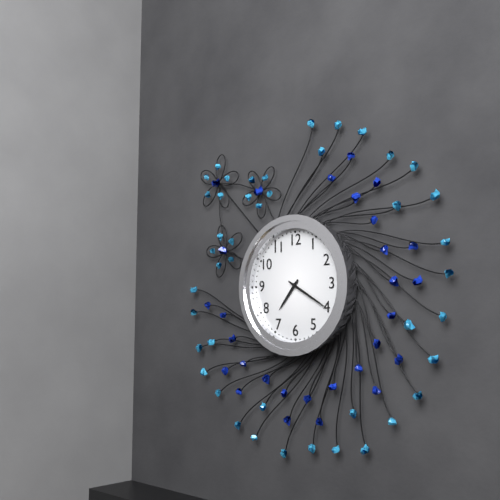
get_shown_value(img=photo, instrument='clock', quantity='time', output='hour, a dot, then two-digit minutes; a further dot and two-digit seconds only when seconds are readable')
7.20
